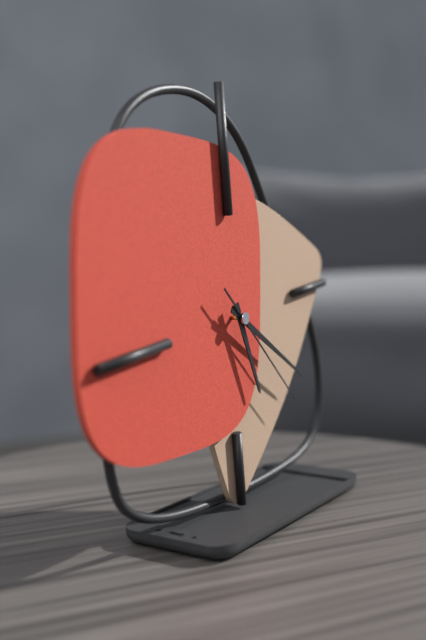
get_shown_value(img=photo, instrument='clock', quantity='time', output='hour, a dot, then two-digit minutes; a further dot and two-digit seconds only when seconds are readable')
5.21.23
